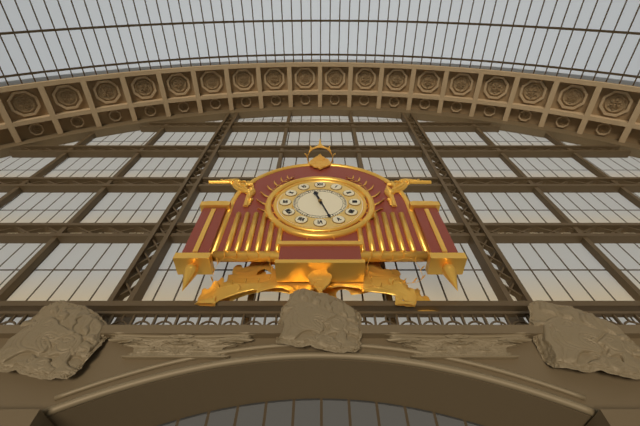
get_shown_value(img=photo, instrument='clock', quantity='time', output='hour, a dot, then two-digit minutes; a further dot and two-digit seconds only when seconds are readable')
11.27
